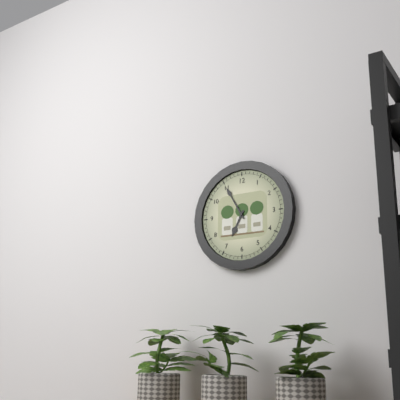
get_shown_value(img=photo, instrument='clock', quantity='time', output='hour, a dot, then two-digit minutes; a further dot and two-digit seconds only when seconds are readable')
6.55
